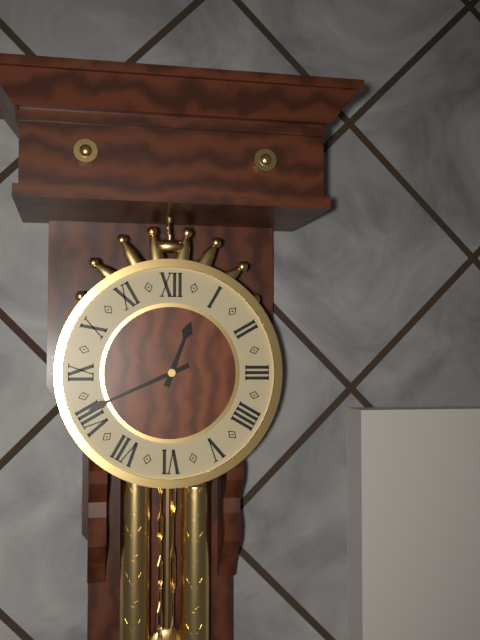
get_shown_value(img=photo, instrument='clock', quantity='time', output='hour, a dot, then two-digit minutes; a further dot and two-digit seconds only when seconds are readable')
12.41
